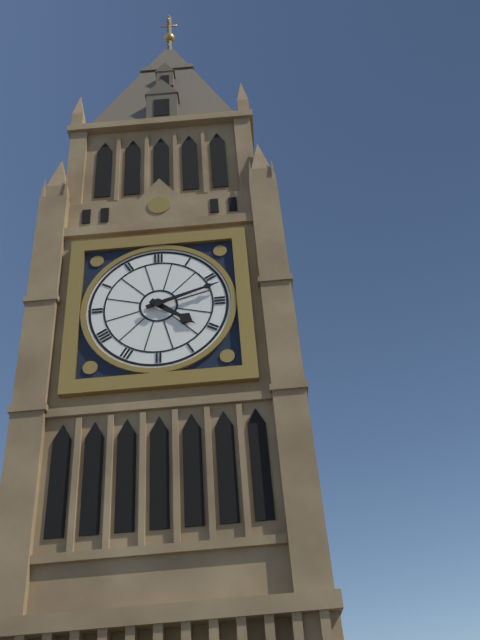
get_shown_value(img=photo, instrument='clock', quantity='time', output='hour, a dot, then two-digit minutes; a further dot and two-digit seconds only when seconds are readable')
4.12
